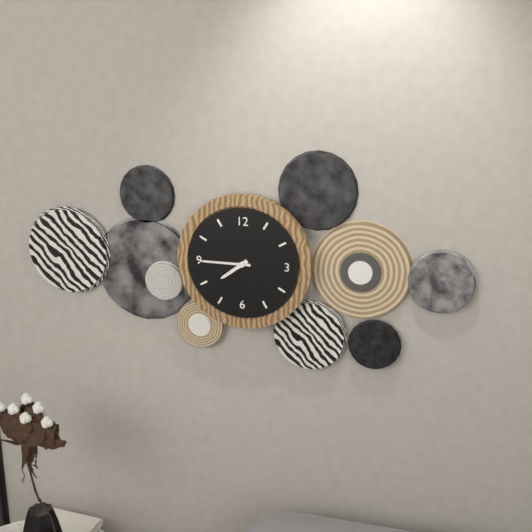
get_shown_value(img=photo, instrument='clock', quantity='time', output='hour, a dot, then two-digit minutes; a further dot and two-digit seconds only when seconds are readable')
7.45
